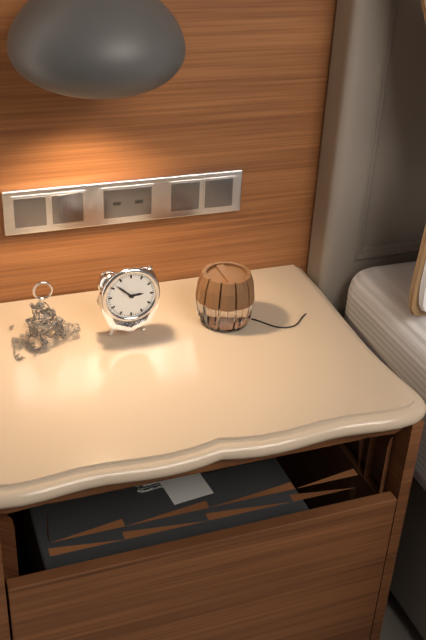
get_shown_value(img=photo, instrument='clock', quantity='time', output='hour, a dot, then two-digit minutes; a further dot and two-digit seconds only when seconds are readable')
2.52
